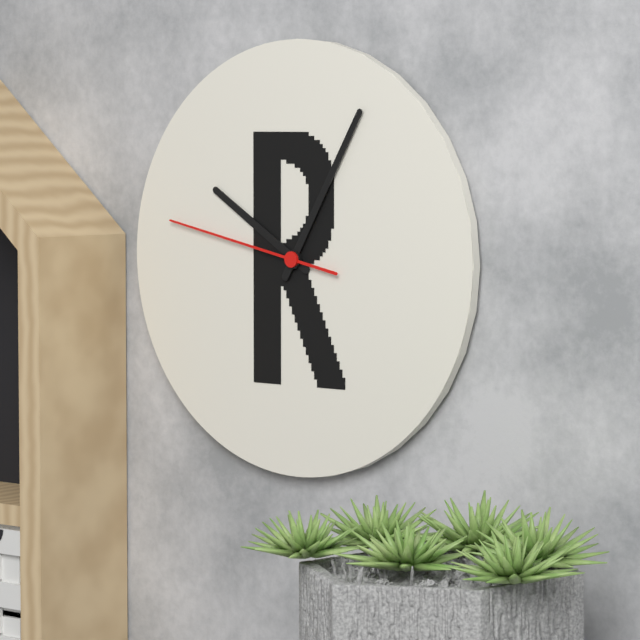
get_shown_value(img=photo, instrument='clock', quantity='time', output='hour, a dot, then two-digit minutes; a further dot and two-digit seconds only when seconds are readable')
10.05.47
